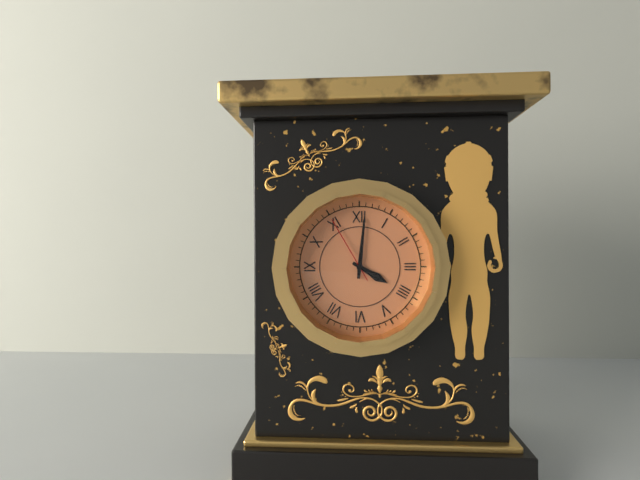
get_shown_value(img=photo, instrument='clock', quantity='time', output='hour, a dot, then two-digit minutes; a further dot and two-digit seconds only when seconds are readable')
4.01.55
